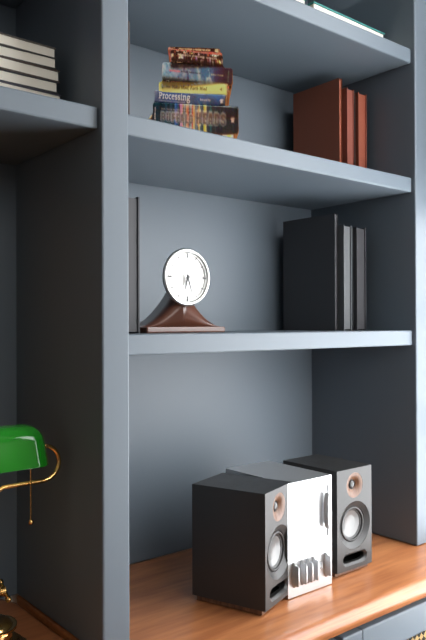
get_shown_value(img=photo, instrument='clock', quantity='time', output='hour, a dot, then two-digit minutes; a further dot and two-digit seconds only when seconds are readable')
6.27
